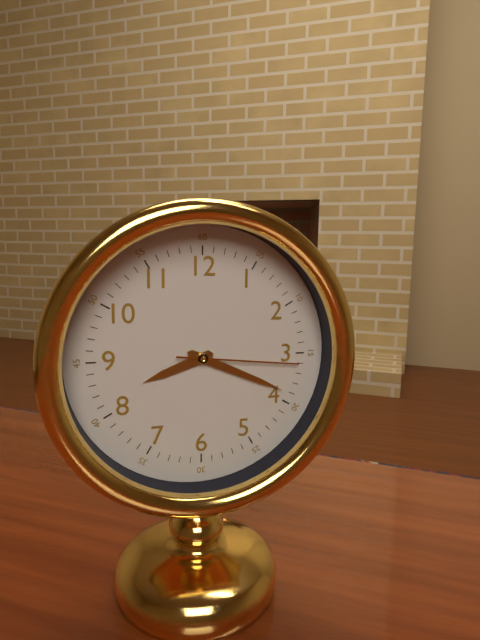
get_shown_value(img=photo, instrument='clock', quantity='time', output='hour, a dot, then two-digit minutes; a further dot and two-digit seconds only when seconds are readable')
8.19.16
